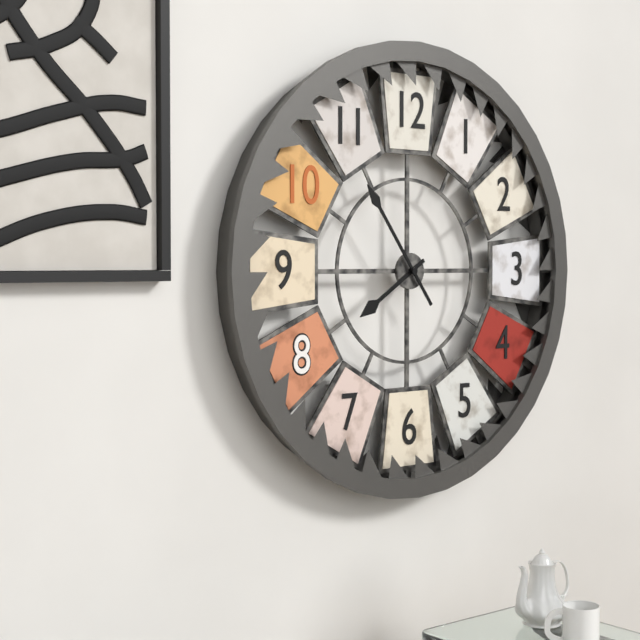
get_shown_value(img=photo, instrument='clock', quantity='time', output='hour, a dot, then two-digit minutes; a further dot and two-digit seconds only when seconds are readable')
7.54
